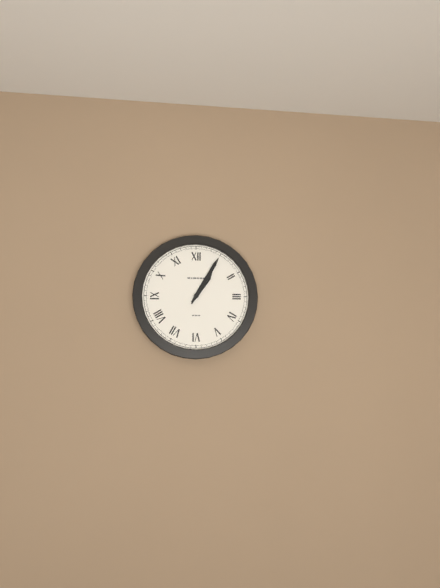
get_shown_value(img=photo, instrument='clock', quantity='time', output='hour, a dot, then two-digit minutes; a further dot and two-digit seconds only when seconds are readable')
1.05
